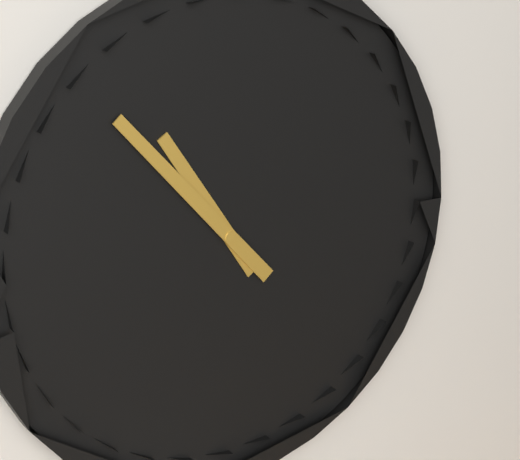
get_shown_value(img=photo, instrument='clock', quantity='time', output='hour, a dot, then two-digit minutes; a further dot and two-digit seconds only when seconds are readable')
10.53
